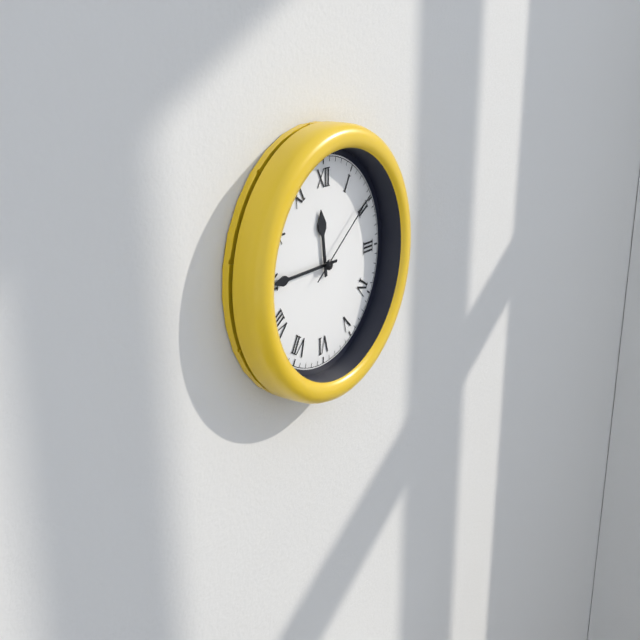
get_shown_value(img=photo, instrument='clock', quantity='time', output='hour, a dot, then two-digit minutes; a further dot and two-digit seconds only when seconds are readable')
11.45.09
